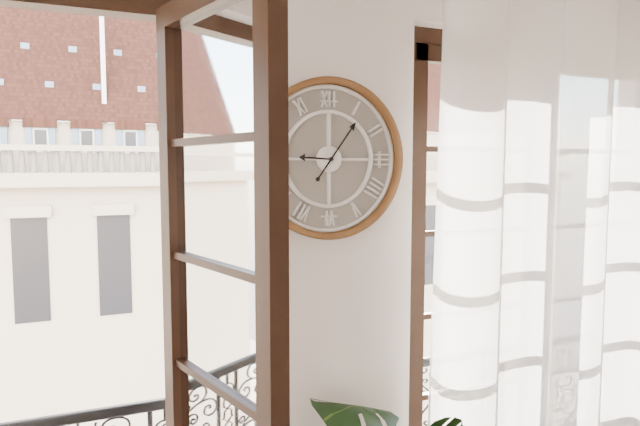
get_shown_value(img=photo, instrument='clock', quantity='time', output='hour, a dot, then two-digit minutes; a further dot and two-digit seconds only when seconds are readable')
9.06
